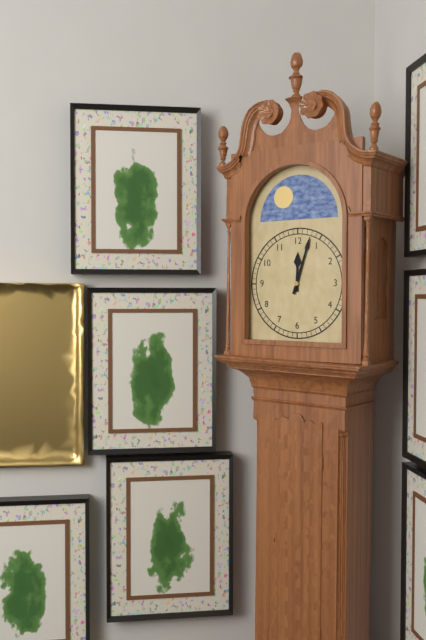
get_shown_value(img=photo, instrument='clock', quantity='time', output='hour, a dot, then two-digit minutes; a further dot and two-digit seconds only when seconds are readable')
12.03
